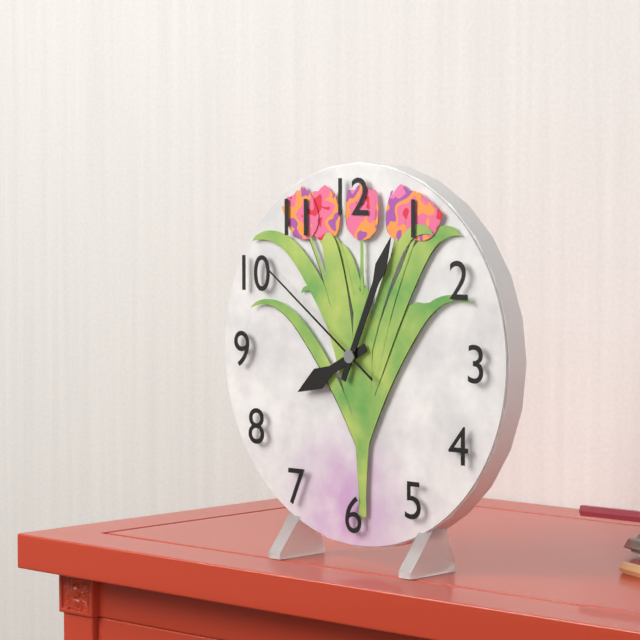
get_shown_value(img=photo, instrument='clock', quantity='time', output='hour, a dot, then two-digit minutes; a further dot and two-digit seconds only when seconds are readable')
8.04.51
